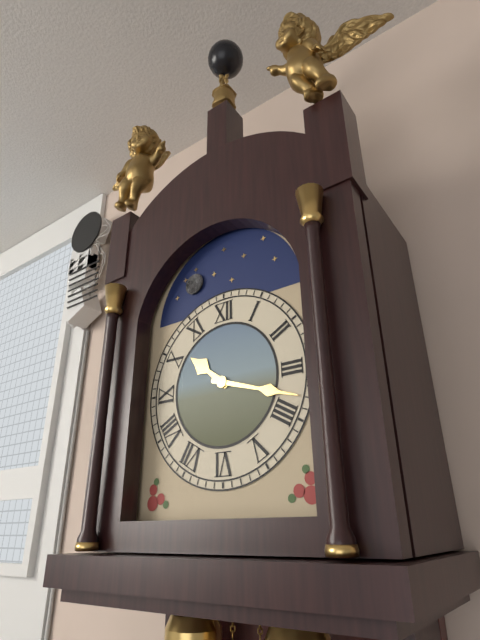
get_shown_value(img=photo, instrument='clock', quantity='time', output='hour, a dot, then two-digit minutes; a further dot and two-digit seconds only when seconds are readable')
10.18
